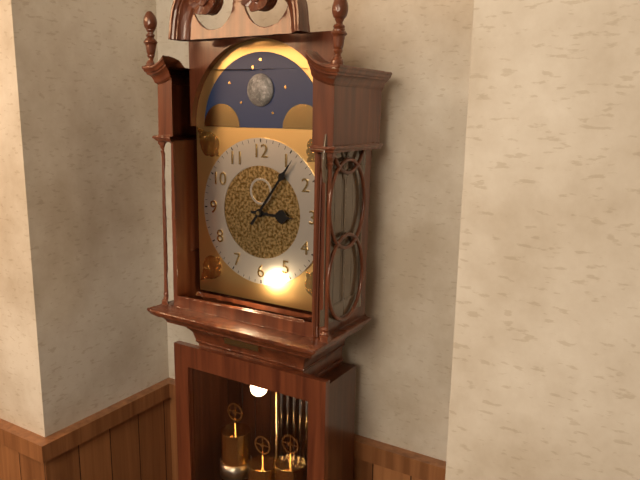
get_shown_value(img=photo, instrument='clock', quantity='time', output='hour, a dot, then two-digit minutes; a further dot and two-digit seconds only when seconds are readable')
3.06
